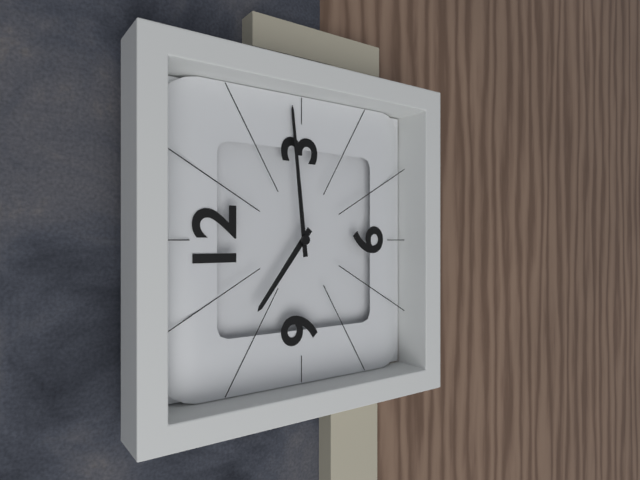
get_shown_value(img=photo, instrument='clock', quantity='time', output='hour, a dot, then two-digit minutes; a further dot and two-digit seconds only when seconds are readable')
10.14
